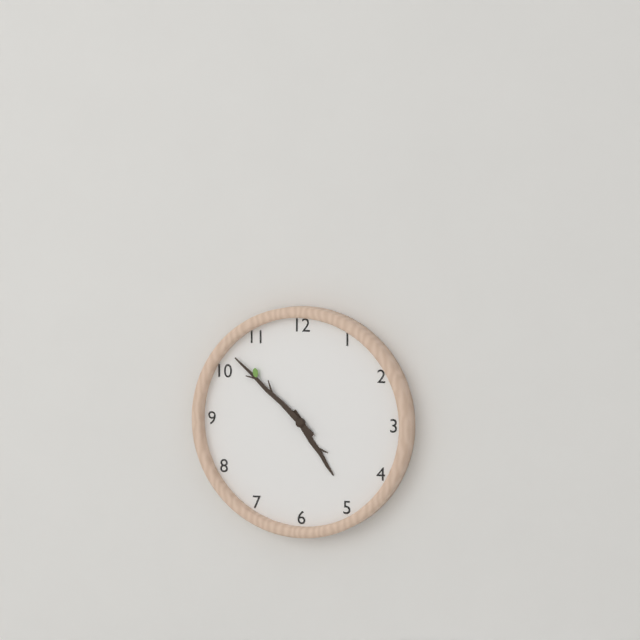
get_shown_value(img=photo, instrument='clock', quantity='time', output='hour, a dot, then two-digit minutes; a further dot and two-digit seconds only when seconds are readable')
4.52
